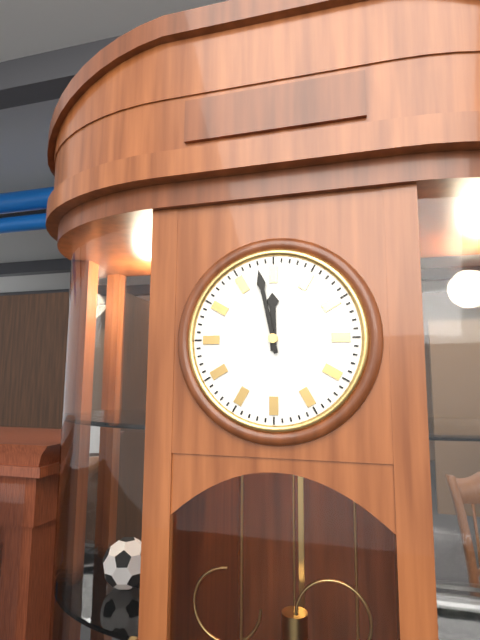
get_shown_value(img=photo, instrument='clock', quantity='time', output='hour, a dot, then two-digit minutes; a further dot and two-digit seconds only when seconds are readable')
11.58
